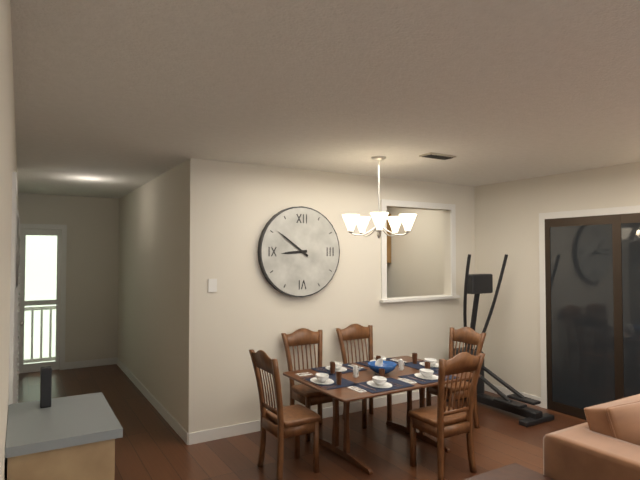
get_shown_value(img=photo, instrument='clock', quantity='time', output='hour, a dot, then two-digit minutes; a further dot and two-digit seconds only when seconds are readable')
8.51
